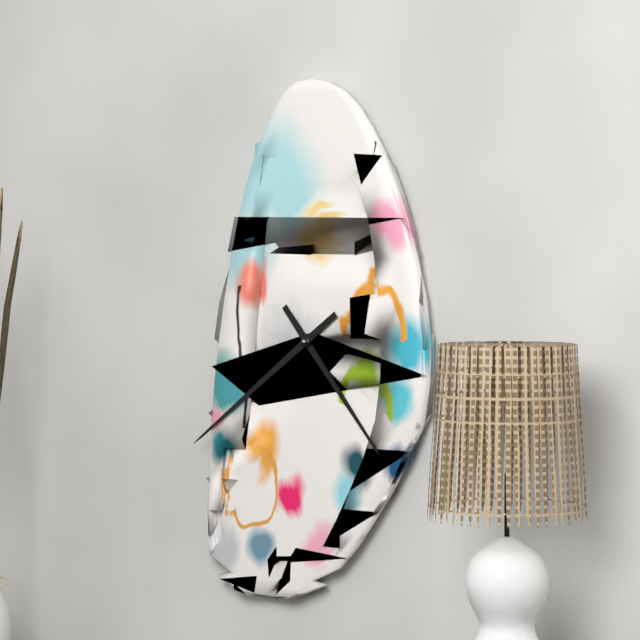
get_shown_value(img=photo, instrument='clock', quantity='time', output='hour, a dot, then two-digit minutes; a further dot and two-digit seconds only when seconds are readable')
4.39
